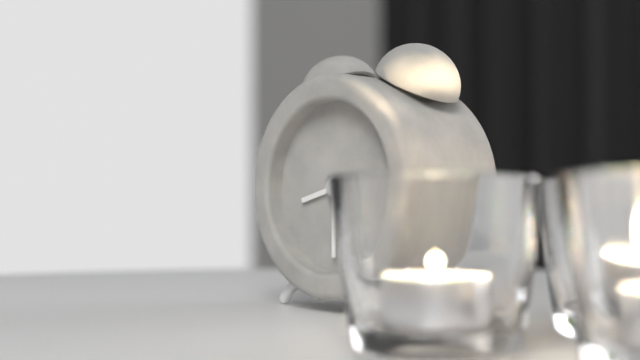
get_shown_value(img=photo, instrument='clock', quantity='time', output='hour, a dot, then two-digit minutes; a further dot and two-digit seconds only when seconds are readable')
8.30
